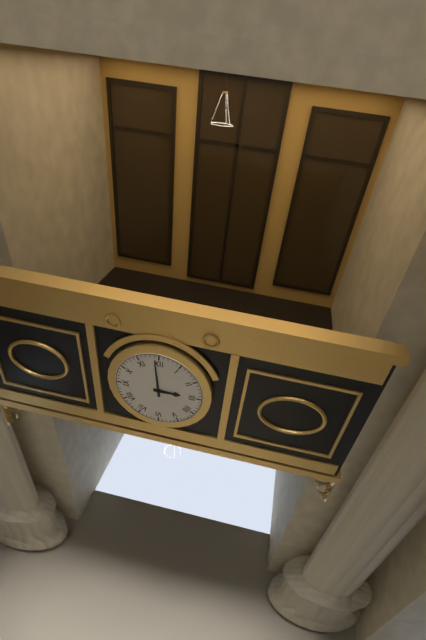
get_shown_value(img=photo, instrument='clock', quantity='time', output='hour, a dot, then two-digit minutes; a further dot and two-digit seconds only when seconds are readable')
2.59
